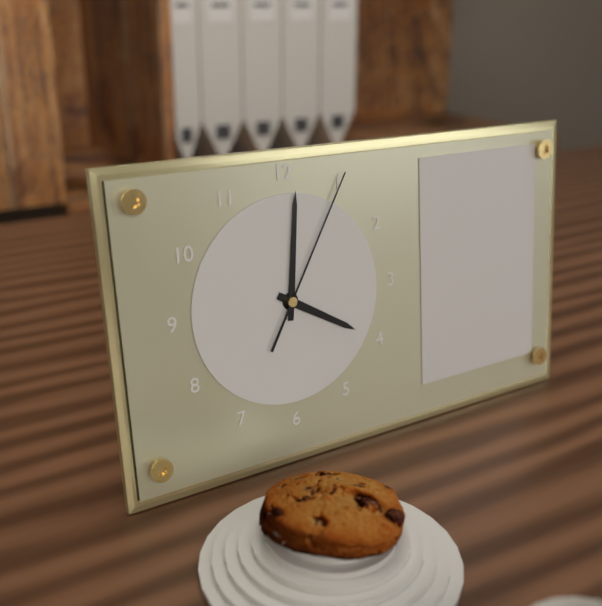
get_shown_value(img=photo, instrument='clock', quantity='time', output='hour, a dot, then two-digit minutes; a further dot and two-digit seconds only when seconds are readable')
4.01.05
